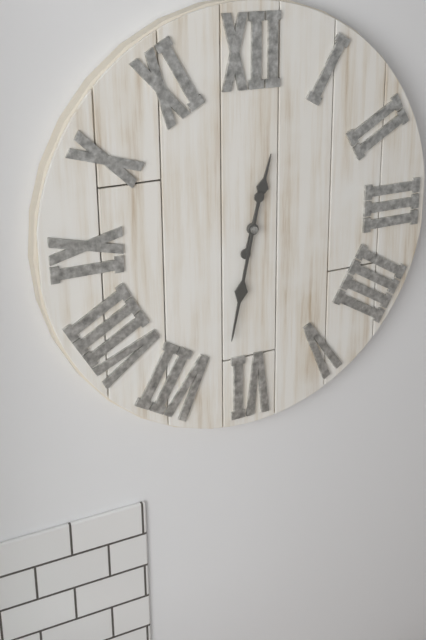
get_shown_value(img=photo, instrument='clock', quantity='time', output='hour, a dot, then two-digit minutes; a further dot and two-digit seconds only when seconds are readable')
12.32
